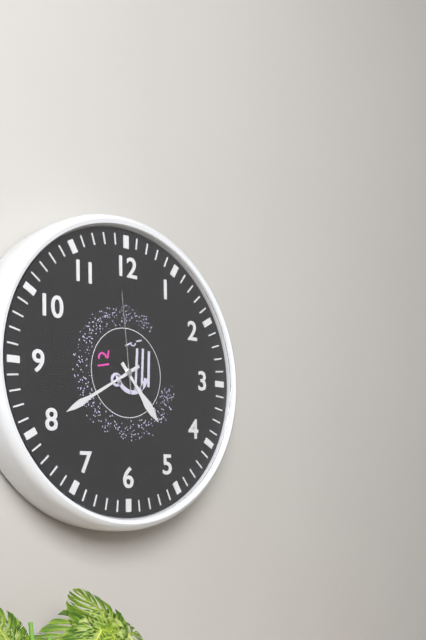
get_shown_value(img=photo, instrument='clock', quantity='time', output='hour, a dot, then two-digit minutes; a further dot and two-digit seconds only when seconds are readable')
4.40.59
